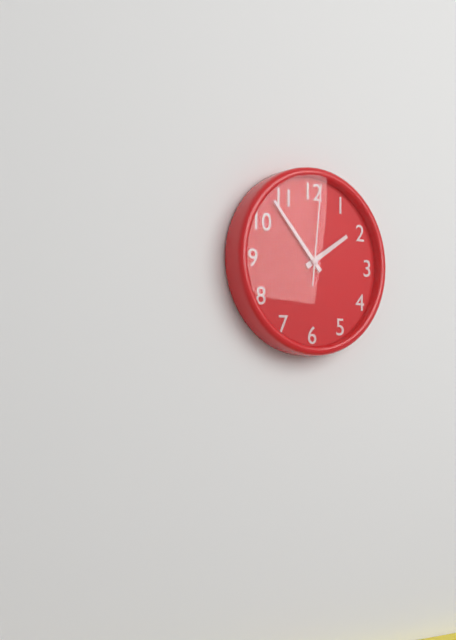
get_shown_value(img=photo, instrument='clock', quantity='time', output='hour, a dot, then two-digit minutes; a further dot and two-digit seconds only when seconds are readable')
1.53.01
